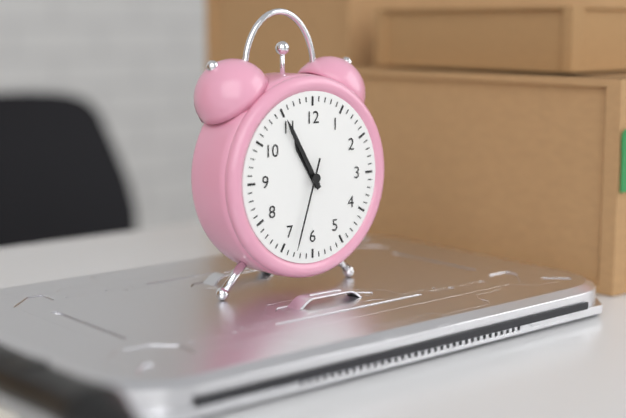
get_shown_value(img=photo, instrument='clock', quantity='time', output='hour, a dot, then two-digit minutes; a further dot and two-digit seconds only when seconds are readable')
10.55.33
